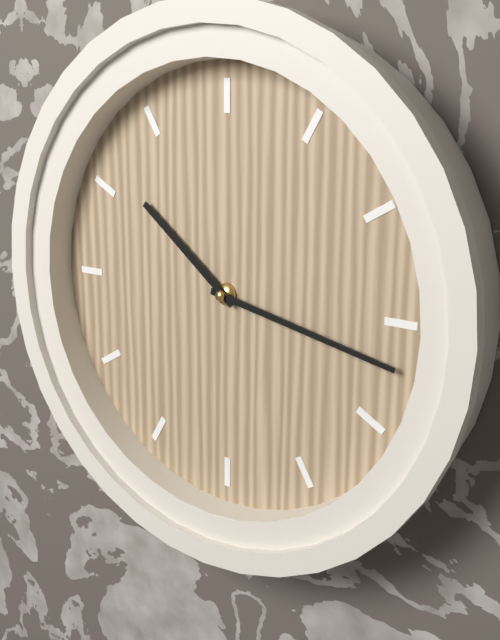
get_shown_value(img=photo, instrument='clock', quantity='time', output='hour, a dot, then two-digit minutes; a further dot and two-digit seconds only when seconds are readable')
10.17
